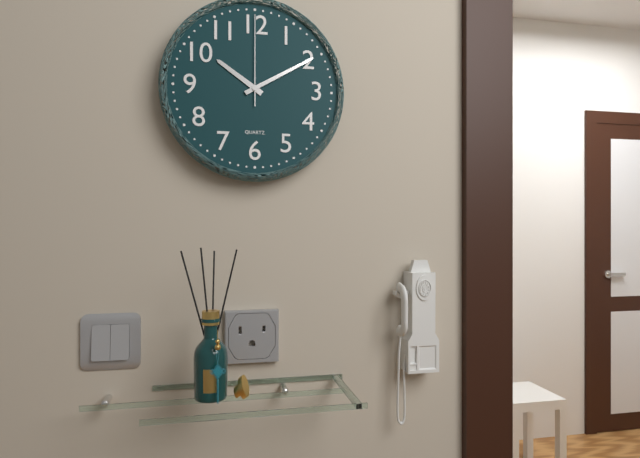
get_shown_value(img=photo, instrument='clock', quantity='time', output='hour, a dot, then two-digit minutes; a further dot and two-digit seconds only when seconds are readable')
10.10.00
